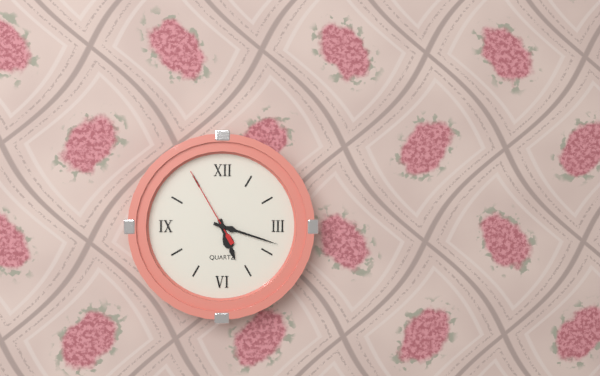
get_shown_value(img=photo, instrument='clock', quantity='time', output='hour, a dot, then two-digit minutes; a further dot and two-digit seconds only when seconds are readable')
5.18.55
